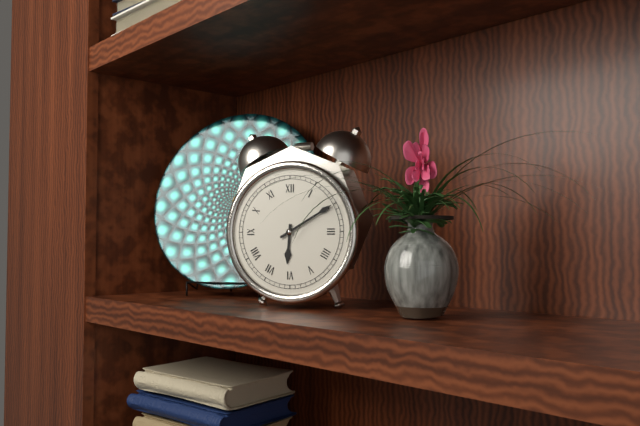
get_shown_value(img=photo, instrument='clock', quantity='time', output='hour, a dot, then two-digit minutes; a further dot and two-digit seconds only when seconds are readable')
6.10
